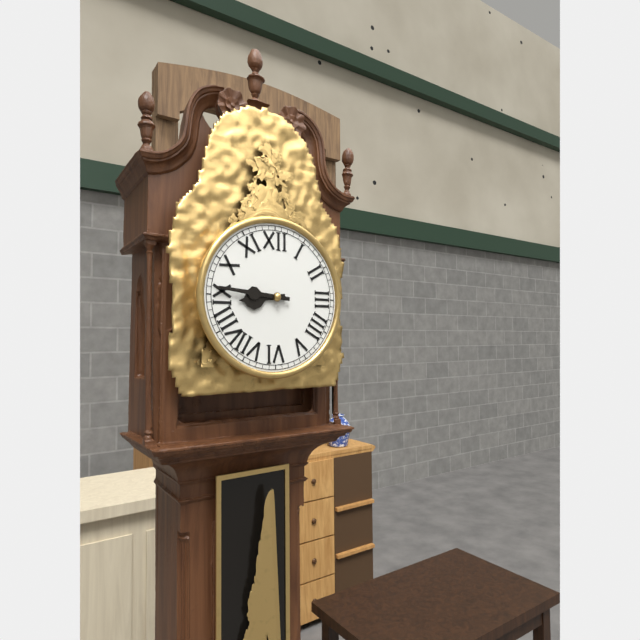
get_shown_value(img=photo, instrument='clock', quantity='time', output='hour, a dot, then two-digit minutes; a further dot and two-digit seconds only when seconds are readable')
8.46
